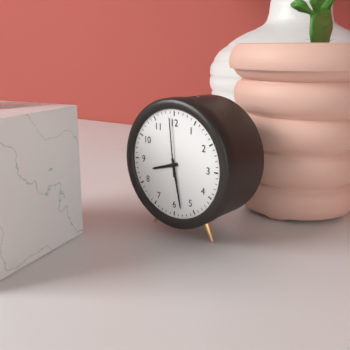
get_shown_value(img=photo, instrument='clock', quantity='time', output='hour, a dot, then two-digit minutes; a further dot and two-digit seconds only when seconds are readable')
8.28.59
